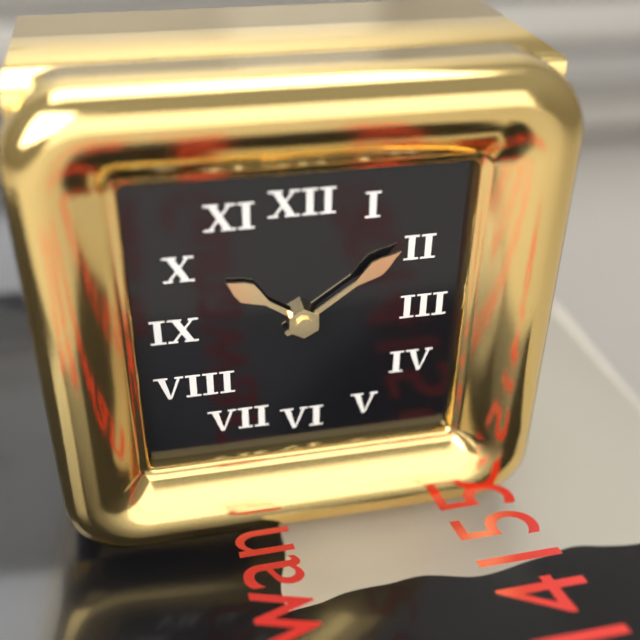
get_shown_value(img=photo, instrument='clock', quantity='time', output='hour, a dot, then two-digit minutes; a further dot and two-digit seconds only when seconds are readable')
10.09
